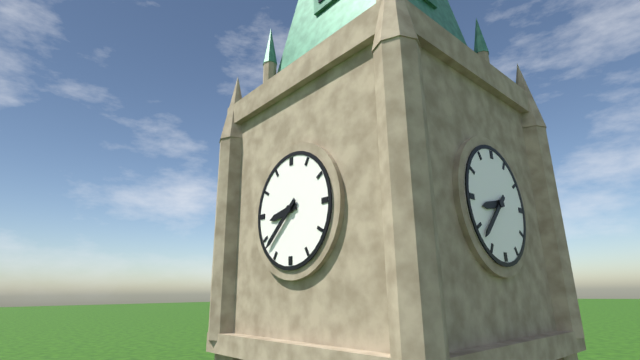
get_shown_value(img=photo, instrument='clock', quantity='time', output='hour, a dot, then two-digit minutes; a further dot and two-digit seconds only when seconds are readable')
8.38
